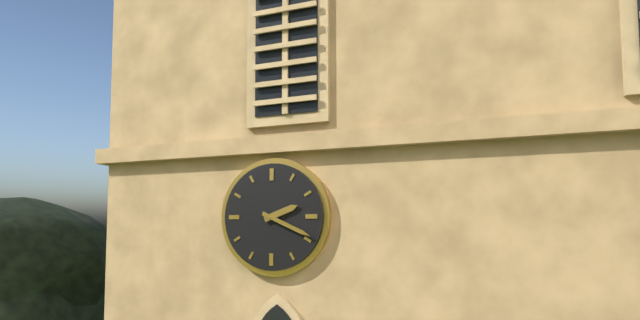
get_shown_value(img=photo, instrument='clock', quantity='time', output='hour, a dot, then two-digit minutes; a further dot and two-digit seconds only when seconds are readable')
2.19
